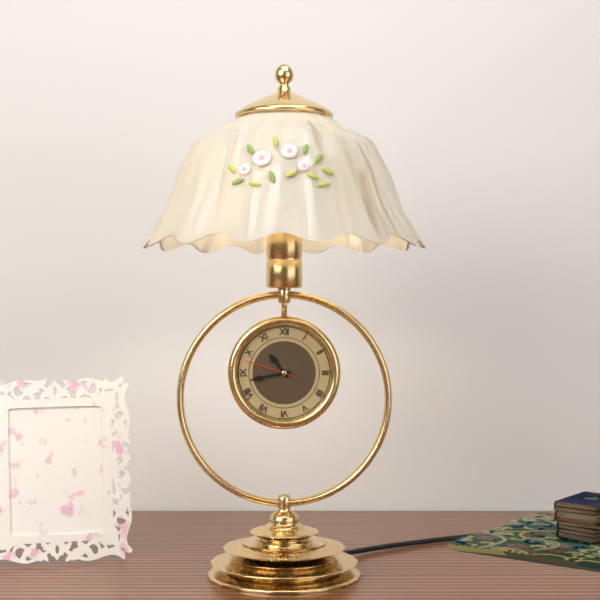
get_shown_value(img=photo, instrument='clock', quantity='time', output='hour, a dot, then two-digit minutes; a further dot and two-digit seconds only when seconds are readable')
10.43.48
